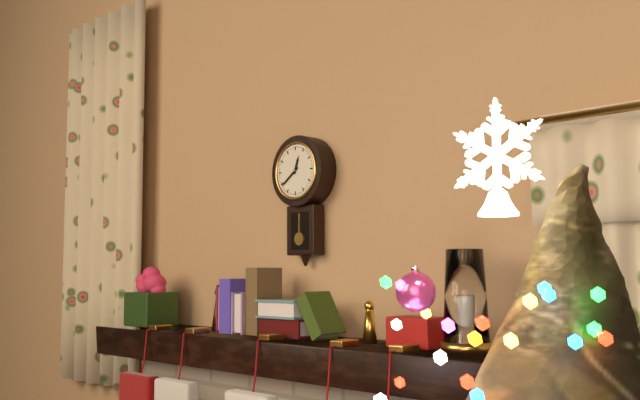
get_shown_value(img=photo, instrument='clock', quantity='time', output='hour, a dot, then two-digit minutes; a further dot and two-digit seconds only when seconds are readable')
12.39
